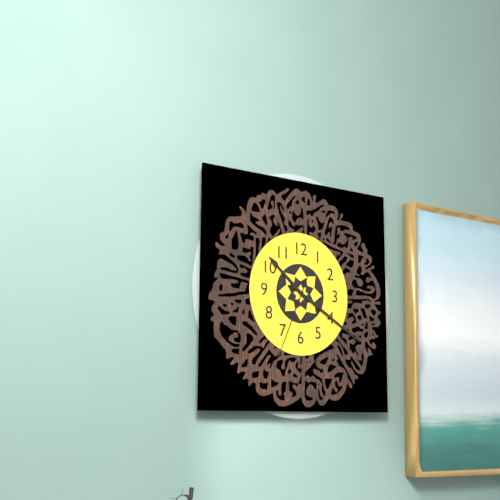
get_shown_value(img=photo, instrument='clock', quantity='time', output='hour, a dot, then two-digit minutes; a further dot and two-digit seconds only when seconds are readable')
10.20.34
